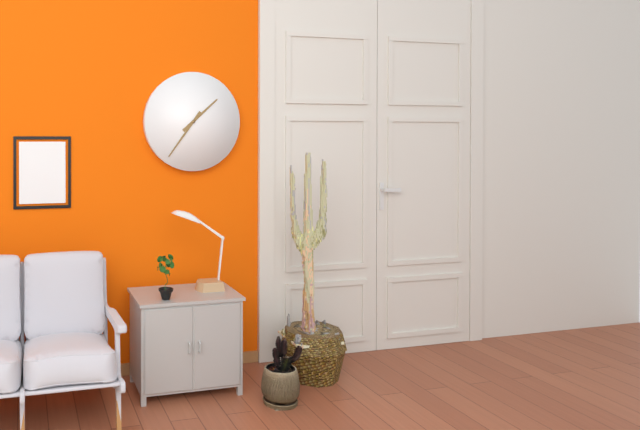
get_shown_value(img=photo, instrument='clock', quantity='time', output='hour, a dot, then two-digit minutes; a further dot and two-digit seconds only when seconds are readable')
1.36
